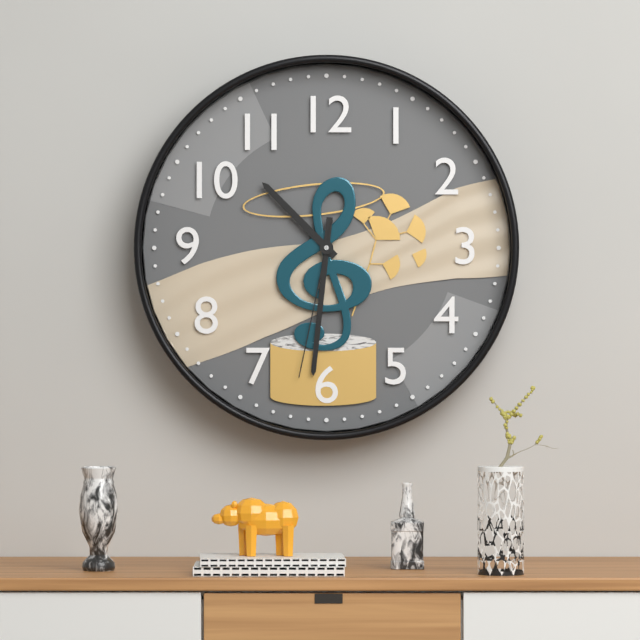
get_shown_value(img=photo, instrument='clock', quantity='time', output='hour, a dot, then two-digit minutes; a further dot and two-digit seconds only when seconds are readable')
10.31.32
